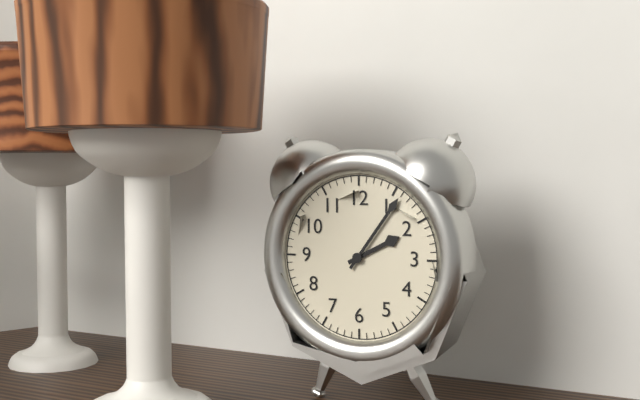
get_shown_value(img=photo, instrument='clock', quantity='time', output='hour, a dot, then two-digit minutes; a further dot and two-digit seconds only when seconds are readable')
2.06
